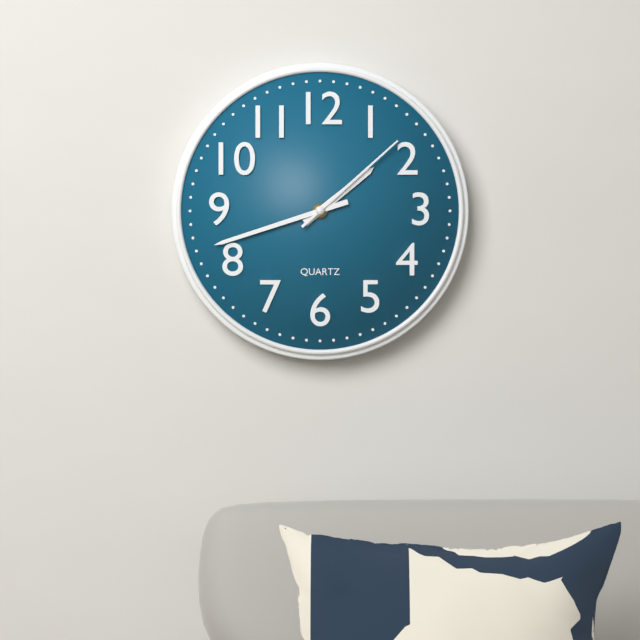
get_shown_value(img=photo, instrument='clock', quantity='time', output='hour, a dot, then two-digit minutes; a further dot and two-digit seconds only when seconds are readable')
1.42.08
